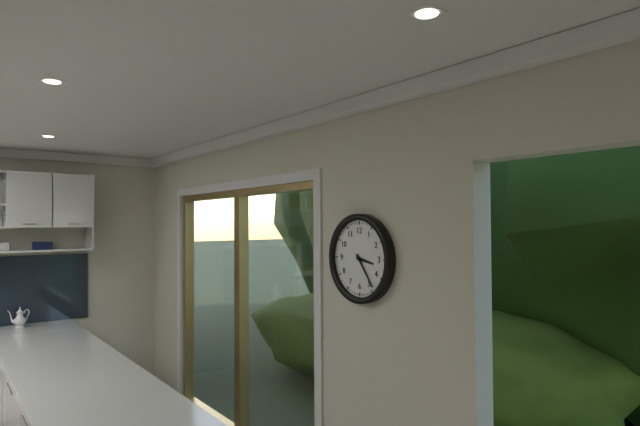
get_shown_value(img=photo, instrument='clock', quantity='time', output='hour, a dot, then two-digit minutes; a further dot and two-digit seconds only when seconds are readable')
3.24
